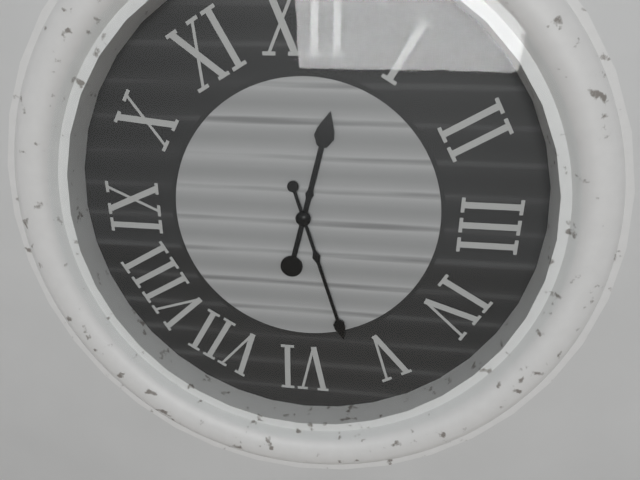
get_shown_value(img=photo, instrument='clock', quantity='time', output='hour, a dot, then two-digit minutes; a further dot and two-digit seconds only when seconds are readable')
12.27
